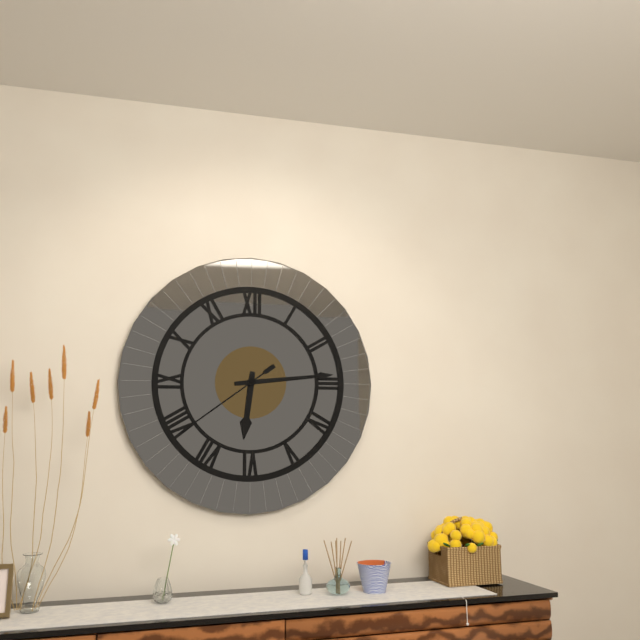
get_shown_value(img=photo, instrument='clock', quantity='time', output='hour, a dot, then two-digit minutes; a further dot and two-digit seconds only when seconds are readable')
6.14.39
